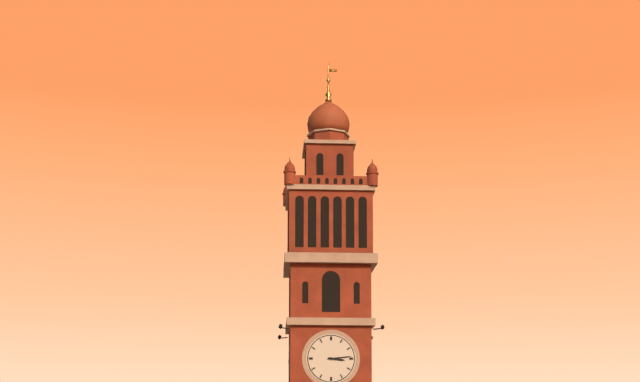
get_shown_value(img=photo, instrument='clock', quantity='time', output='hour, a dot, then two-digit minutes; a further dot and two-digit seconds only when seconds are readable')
3.14
